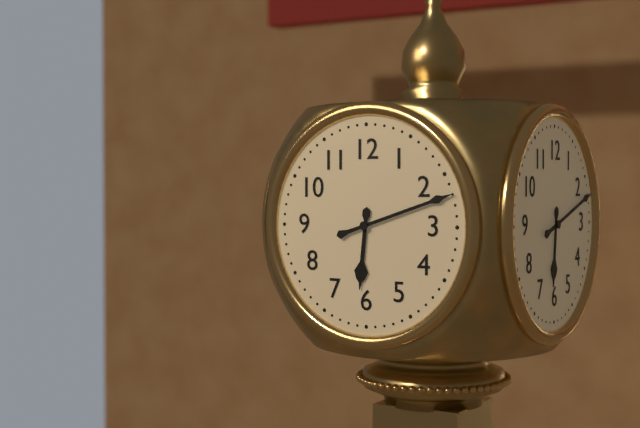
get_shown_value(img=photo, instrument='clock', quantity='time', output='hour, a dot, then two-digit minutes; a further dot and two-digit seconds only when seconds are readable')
6.12
